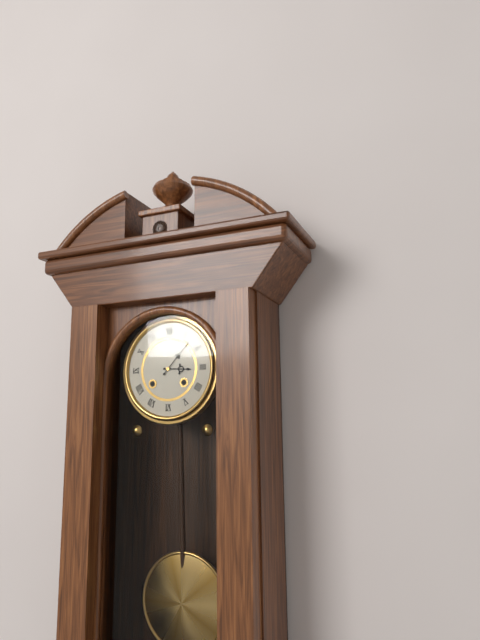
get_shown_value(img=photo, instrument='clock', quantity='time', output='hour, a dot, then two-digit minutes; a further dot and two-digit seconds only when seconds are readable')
3.07
